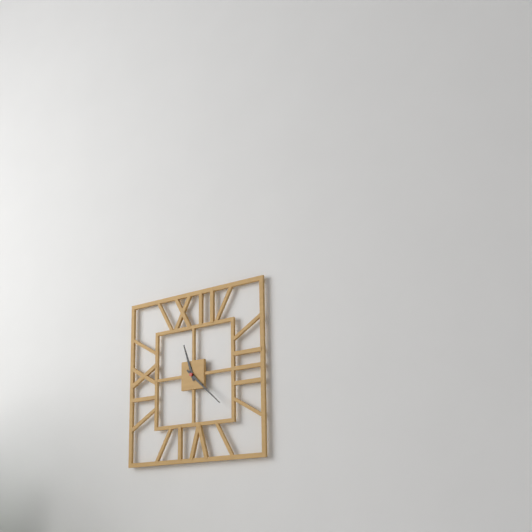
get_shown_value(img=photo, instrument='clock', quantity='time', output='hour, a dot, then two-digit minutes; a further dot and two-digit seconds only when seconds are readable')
11.22
